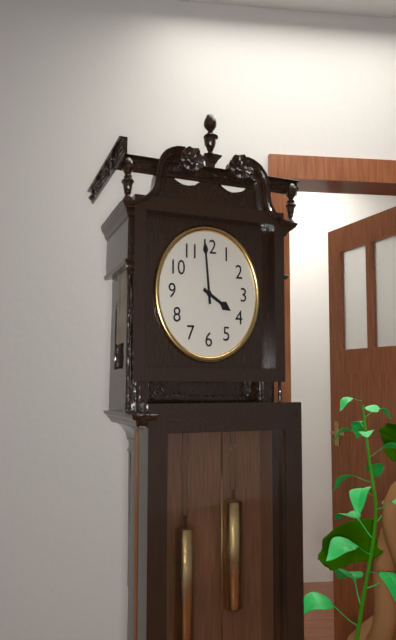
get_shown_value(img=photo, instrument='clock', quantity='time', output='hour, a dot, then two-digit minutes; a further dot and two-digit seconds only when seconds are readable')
3.59
